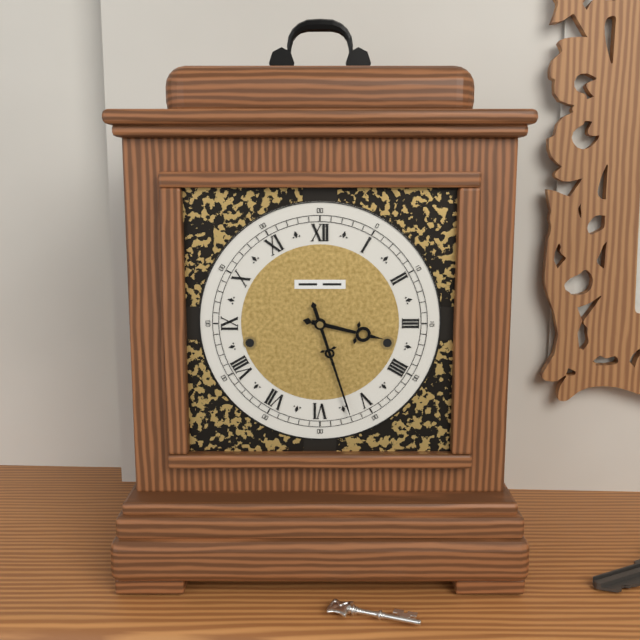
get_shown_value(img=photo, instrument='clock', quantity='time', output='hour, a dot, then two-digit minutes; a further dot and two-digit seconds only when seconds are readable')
3.27
